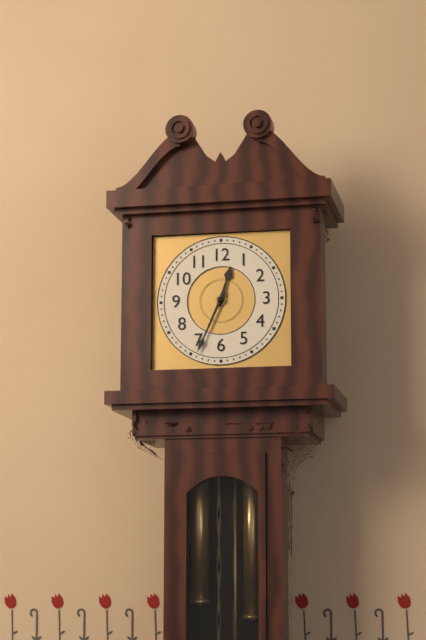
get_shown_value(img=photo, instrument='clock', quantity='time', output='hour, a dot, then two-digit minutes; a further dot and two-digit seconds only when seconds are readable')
12.34
